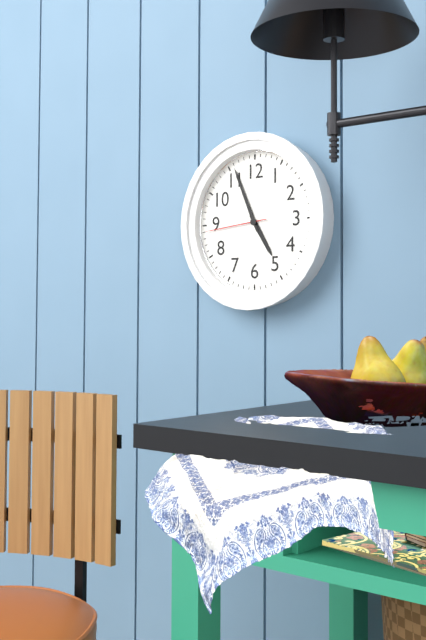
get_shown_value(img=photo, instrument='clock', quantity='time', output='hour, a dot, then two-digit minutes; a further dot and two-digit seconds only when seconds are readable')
4.56.44
